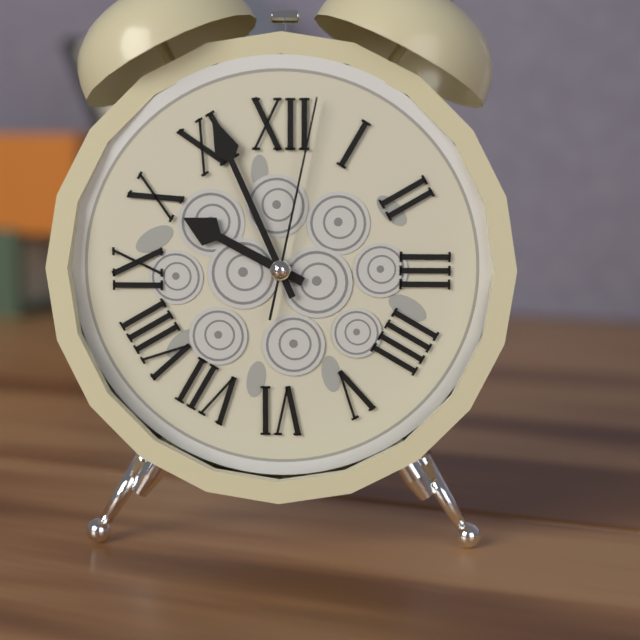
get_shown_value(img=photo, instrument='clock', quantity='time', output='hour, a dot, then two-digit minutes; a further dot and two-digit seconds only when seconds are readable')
9.56.02
